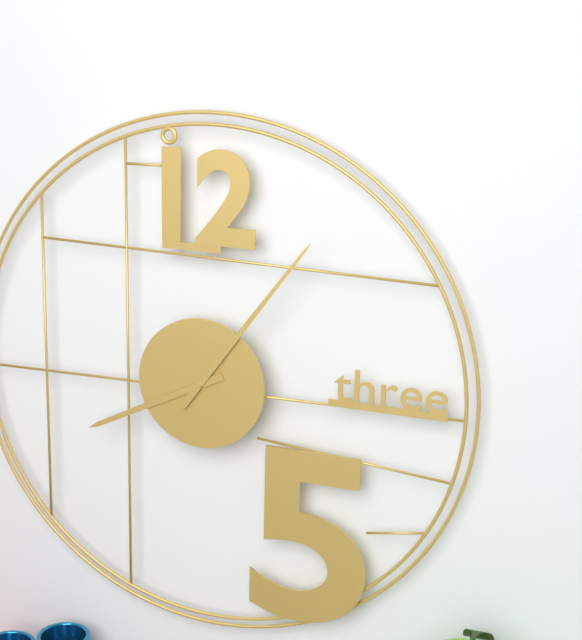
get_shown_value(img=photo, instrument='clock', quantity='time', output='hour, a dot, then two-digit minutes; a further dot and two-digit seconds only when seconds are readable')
8.06
